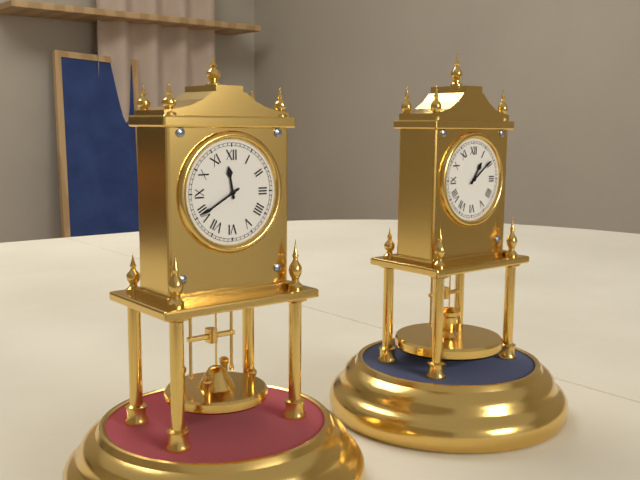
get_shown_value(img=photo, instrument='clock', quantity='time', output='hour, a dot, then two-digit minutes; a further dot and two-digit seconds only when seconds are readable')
11.40
